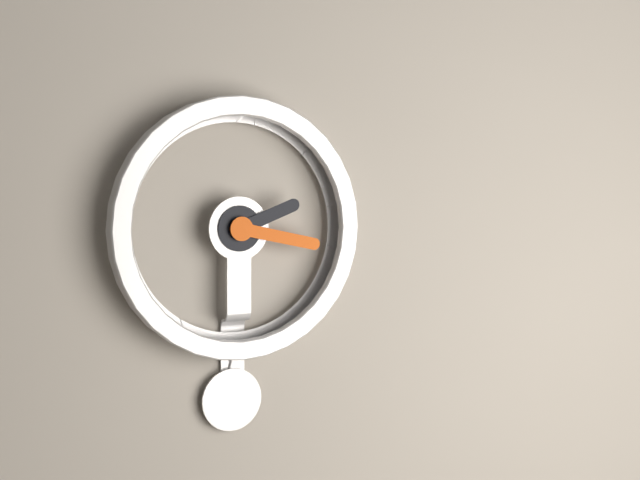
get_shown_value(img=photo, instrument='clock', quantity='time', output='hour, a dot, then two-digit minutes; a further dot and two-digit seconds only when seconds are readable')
2.17
